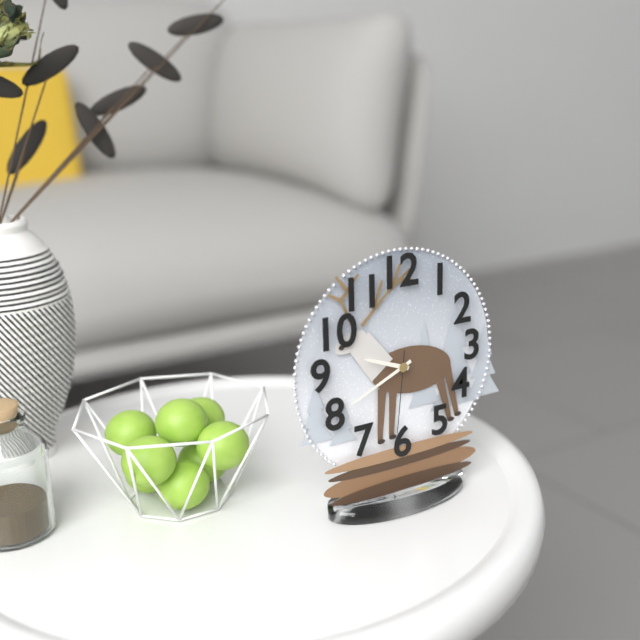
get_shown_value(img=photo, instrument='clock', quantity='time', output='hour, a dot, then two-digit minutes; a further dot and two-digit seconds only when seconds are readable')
9.41.31
